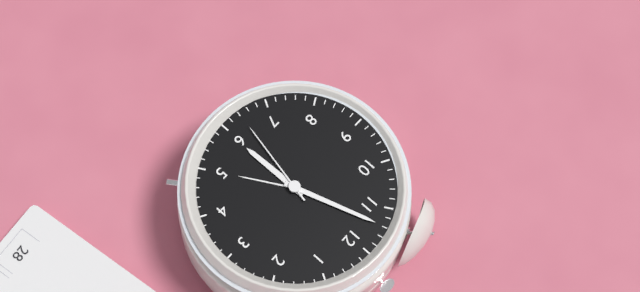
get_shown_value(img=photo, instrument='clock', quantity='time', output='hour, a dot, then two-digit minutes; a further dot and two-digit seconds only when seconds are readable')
5.57.32
